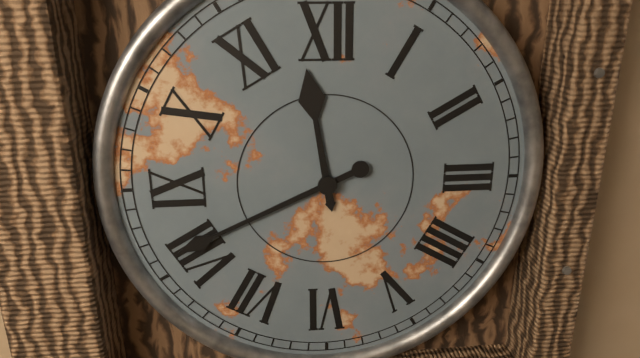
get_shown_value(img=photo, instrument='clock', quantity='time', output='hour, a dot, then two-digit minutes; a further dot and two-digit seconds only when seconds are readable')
11.41
